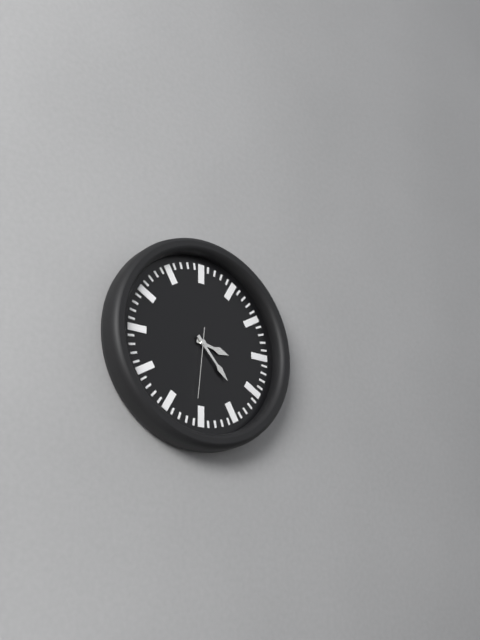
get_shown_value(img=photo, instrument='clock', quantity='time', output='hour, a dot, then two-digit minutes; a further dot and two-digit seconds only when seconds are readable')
3.23.31
